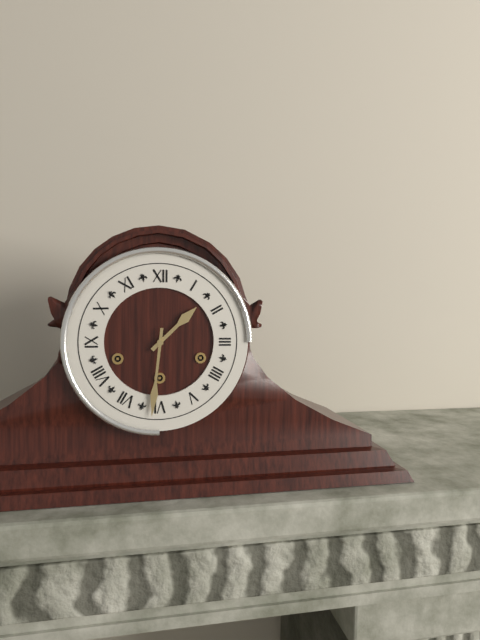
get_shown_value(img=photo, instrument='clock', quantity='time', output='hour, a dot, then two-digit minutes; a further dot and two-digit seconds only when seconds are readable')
1.31
